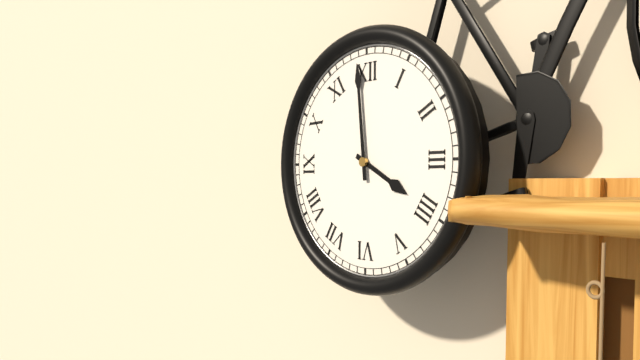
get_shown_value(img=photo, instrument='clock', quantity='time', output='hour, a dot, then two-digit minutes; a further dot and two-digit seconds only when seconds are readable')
3.59
